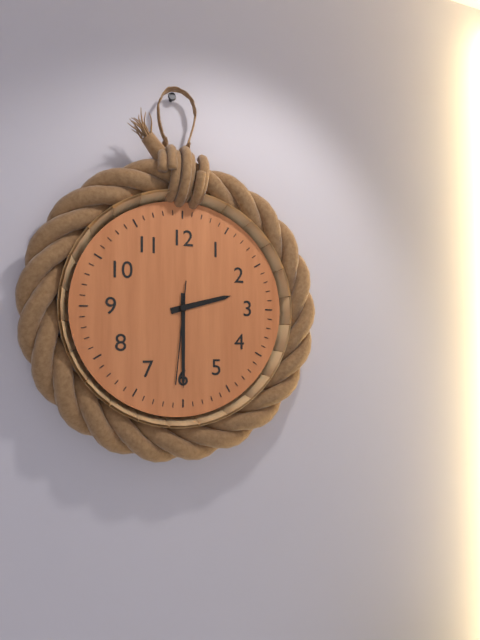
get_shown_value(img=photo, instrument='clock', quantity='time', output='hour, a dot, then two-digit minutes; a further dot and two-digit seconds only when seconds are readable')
2.30.31
